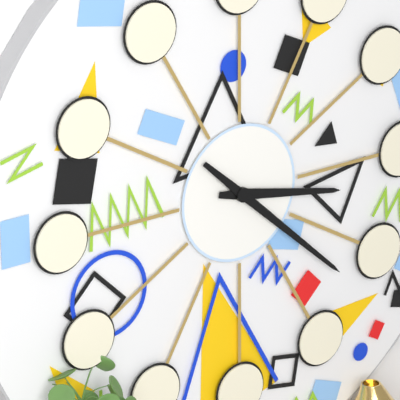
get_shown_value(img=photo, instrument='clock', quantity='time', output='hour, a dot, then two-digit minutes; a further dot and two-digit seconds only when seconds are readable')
3.22
